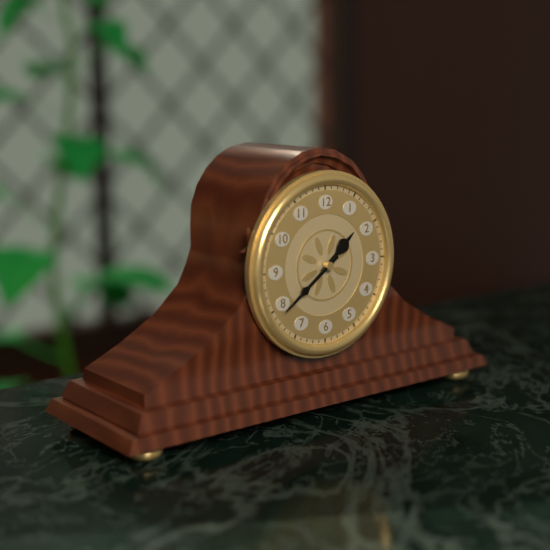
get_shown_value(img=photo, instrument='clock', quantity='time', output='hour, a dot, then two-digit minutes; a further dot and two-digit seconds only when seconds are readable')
1.39
